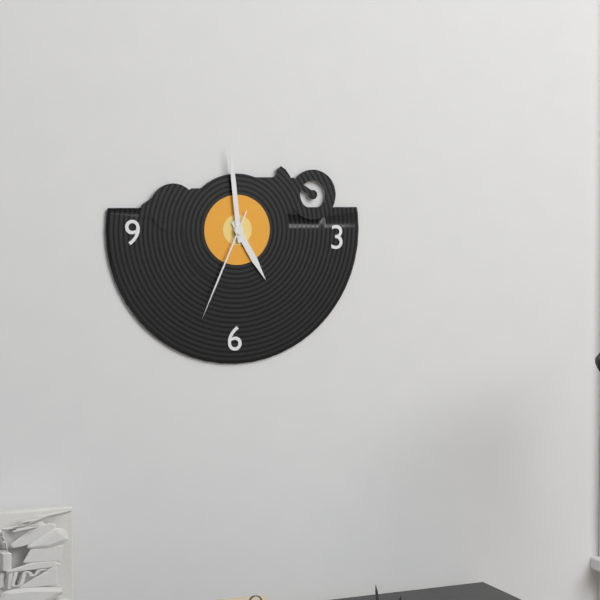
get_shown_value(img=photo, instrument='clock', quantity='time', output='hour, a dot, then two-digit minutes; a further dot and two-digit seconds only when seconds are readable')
4.59.34
